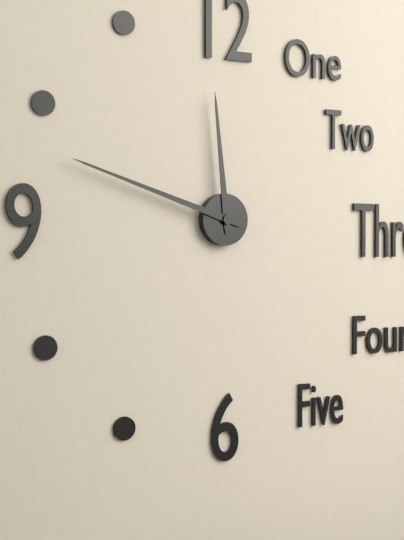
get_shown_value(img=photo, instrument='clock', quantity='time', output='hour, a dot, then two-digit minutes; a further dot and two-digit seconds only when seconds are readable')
11.48
